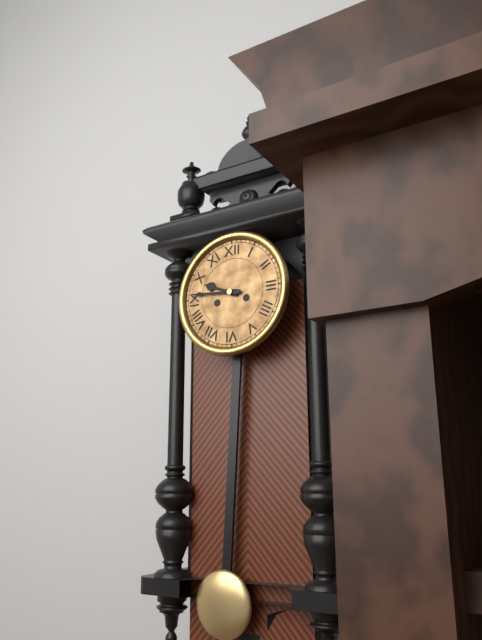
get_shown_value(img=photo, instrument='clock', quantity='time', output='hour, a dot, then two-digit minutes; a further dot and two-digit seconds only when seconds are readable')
9.46
